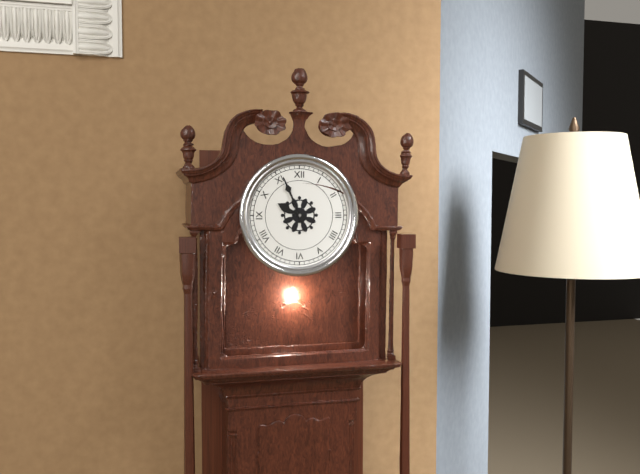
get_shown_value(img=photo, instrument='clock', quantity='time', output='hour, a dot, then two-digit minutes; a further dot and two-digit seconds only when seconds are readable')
9.56
